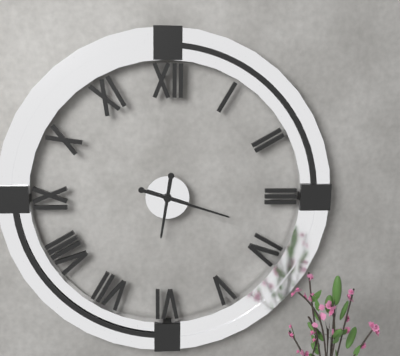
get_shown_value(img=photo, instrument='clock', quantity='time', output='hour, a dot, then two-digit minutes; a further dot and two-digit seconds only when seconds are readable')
6.18
